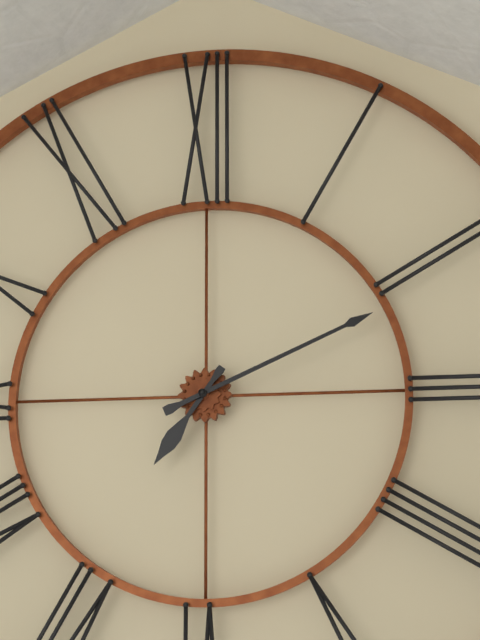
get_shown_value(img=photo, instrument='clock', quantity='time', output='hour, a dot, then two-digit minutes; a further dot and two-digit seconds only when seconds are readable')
7.11
